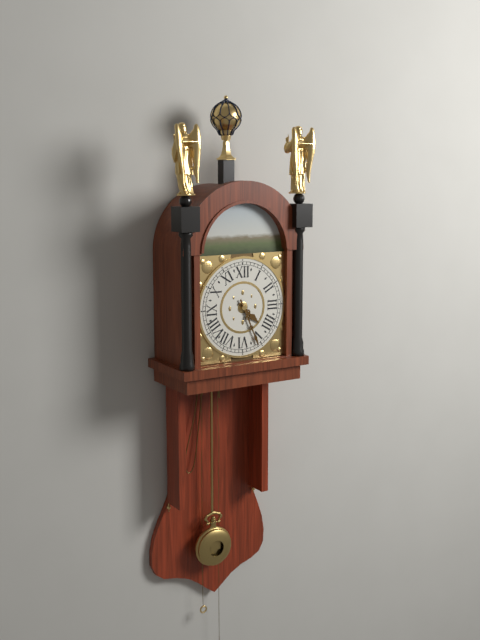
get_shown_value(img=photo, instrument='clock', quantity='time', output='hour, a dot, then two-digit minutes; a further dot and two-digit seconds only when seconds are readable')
4.26
